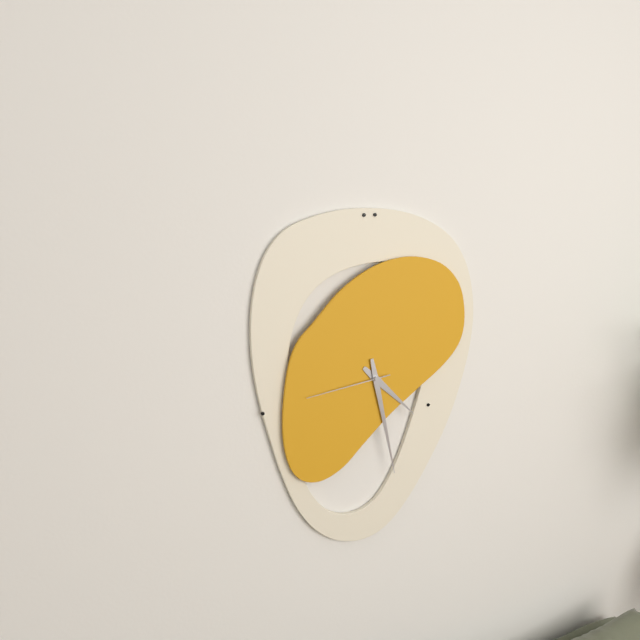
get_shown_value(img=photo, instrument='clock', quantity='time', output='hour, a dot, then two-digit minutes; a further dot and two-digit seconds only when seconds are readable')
4.28.44
